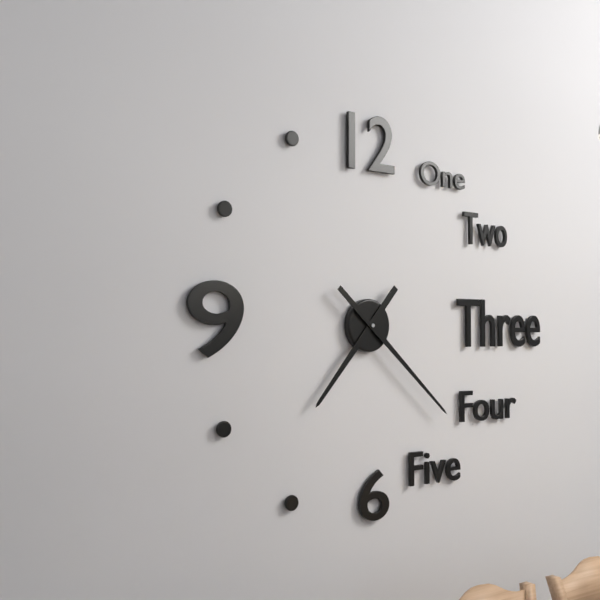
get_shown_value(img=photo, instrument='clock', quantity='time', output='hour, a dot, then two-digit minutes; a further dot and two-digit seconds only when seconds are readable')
7.22
